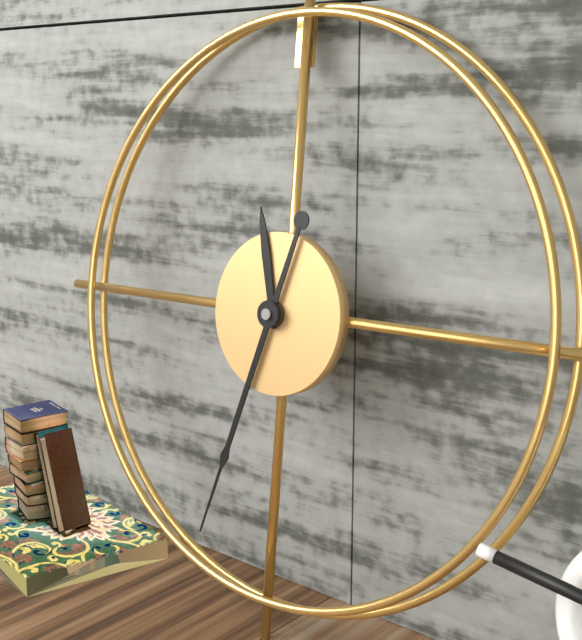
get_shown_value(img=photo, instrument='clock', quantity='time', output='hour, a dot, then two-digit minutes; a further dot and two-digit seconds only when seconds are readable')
11.33
